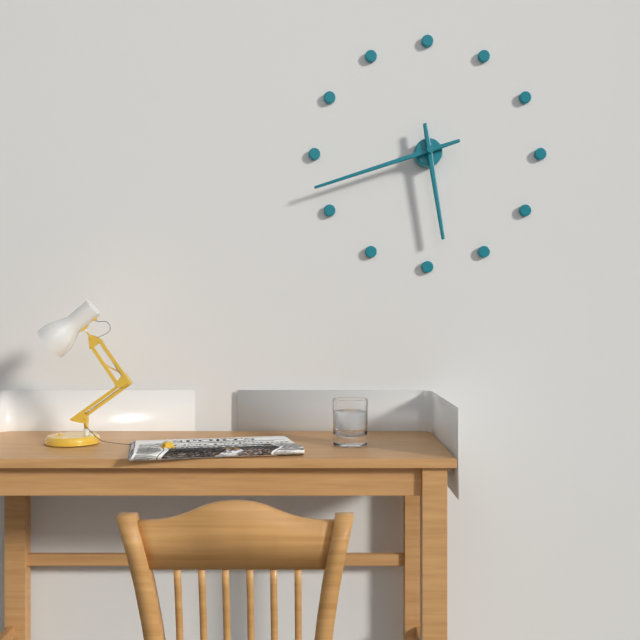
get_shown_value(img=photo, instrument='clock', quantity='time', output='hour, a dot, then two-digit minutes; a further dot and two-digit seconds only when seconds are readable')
5.42
